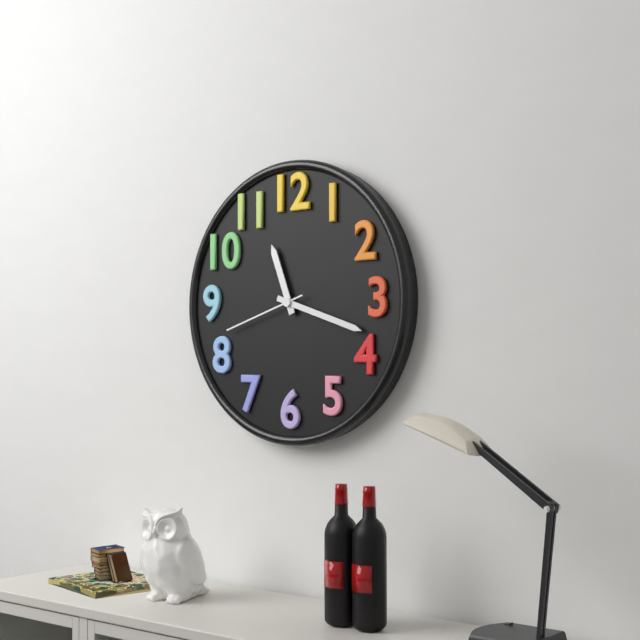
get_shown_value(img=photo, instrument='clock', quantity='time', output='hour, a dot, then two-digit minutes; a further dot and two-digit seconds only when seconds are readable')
11.18.42
